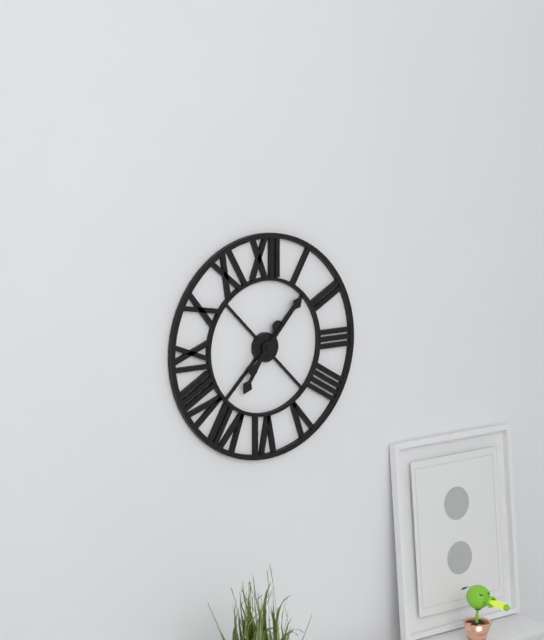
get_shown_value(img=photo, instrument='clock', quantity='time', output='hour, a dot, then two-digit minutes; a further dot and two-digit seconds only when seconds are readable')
7.07
